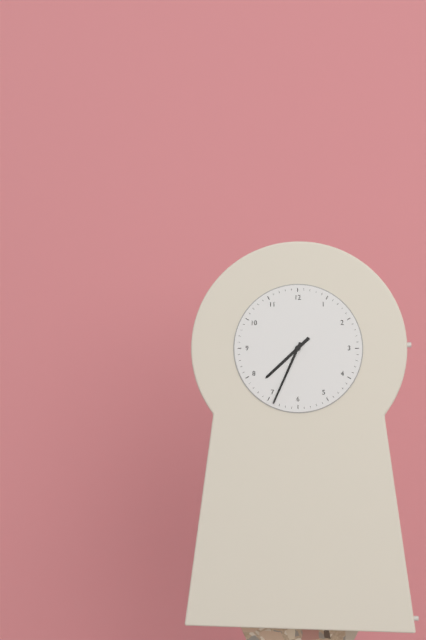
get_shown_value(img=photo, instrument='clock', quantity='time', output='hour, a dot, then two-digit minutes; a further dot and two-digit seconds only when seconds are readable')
7.34
